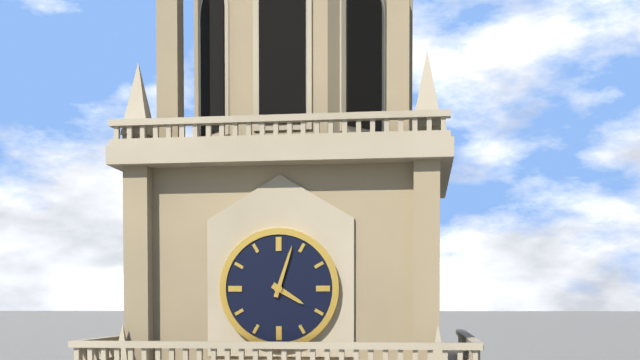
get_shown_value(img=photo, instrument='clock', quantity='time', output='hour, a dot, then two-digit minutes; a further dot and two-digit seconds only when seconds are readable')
4.03
